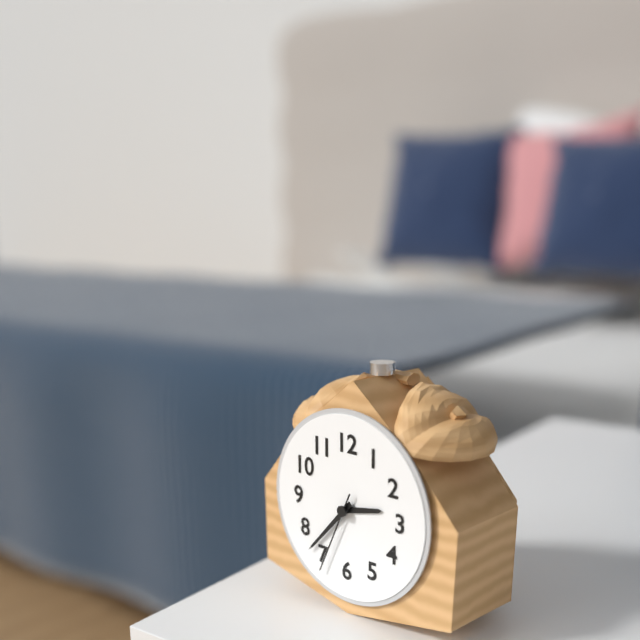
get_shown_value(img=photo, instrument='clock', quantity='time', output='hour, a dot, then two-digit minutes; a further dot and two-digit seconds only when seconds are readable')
2.37.34
